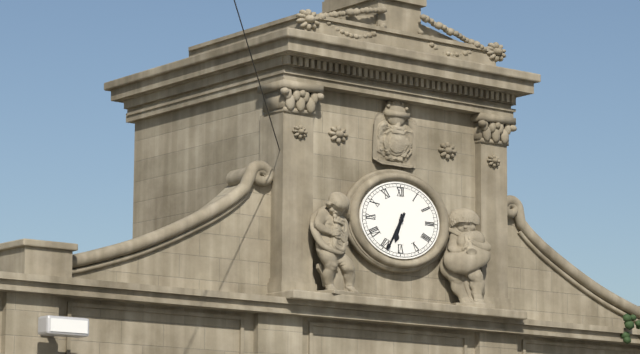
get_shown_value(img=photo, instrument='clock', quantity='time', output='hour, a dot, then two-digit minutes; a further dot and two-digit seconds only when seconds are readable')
6.35
